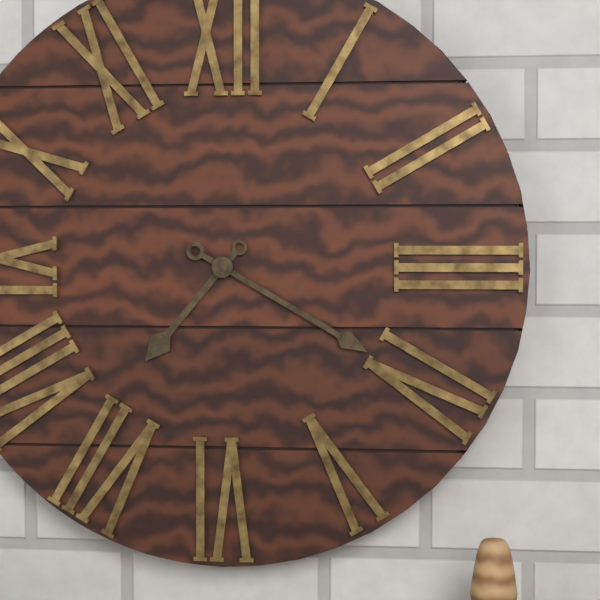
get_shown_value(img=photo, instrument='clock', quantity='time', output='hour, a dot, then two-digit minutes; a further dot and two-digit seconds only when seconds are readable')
7.20
